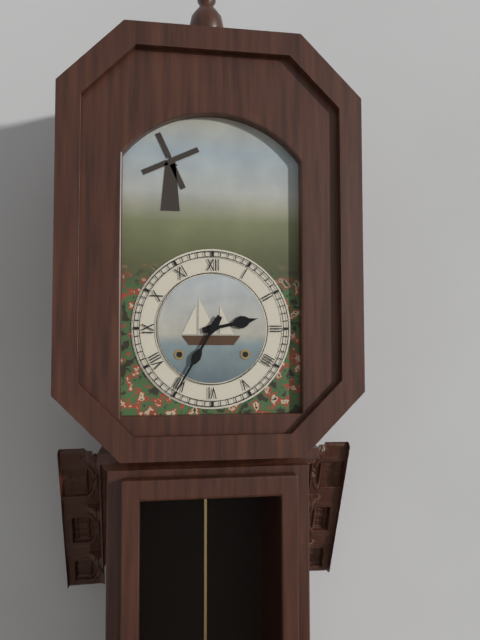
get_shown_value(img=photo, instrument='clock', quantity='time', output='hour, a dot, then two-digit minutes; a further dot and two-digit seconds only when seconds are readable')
2.35
